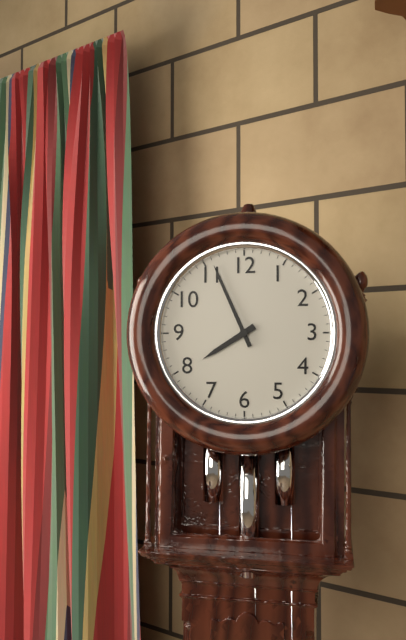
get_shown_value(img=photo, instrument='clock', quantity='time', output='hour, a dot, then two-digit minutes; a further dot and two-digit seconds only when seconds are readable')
7.56
